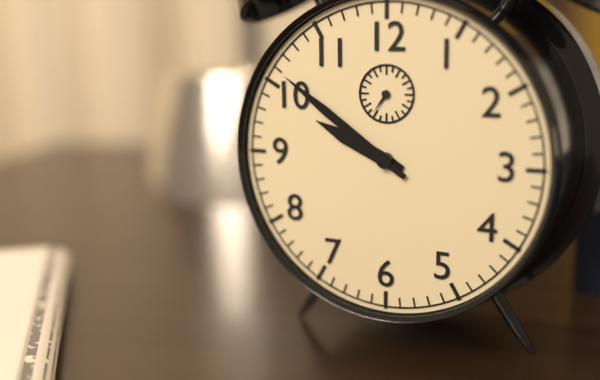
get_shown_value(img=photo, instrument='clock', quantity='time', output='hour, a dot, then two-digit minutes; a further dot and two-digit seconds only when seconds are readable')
9.51
